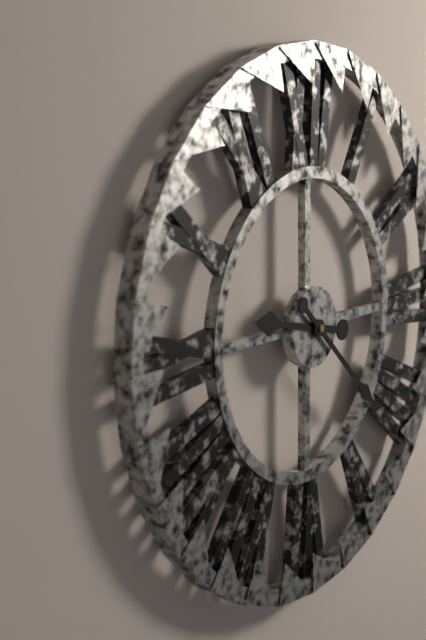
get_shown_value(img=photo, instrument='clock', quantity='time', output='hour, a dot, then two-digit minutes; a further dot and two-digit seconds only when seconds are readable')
9.22
